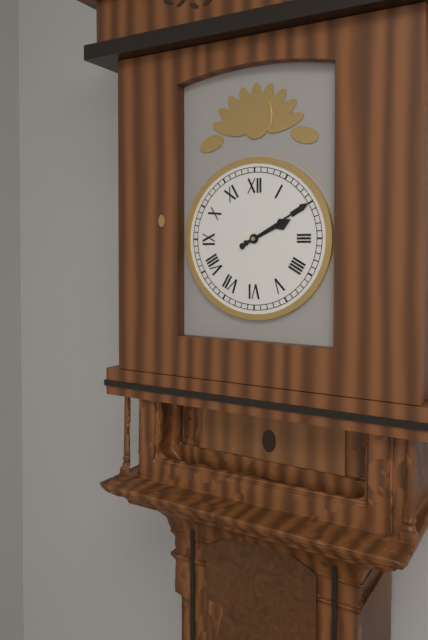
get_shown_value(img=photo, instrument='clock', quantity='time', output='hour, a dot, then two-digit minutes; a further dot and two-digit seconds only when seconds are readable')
2.10
